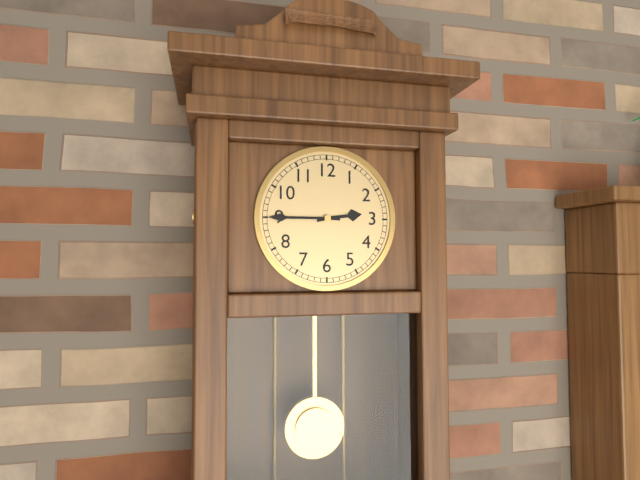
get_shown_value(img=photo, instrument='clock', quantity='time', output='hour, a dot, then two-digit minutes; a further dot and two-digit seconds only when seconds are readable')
2.45
